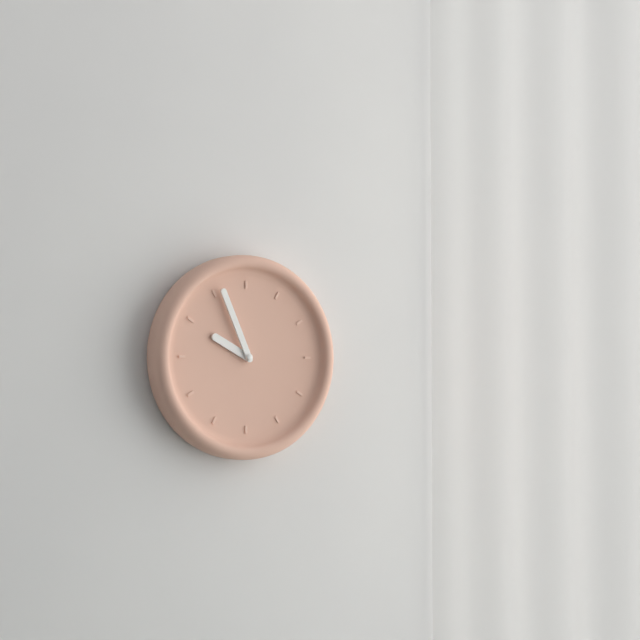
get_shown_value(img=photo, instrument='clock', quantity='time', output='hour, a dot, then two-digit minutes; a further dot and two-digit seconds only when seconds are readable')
9.56
